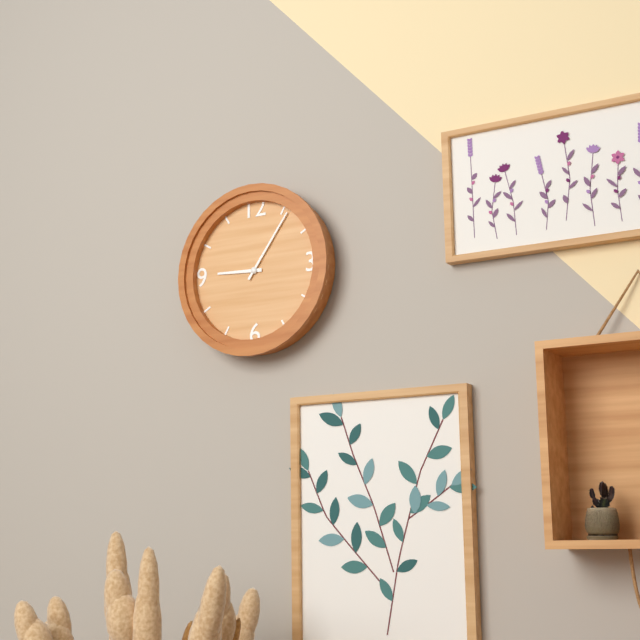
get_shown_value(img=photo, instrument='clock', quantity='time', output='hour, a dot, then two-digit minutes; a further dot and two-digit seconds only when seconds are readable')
9.06
